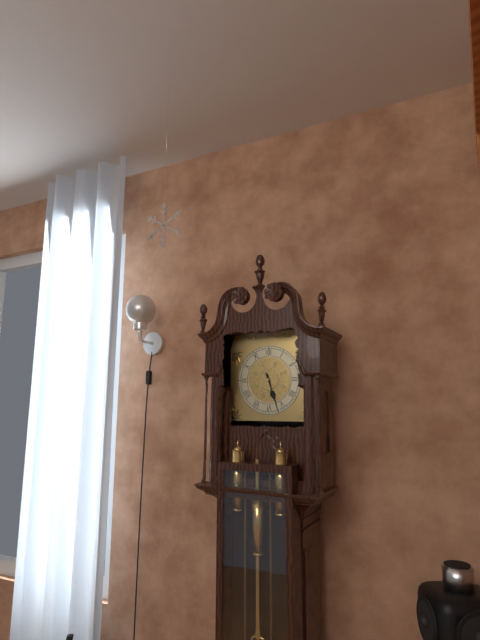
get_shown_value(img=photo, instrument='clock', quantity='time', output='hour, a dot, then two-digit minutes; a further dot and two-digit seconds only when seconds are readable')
5.27
